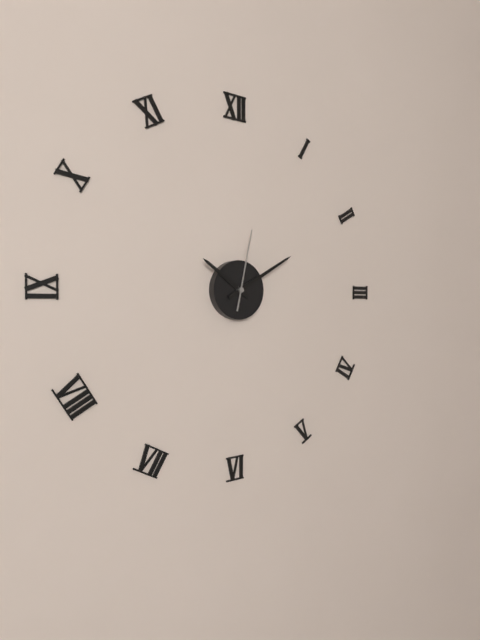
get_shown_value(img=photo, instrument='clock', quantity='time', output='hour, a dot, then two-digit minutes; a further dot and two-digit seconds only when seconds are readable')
10.10.02
